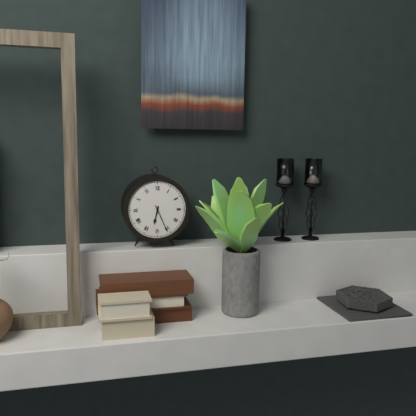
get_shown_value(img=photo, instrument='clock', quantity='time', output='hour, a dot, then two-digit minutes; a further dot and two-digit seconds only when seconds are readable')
6.26
